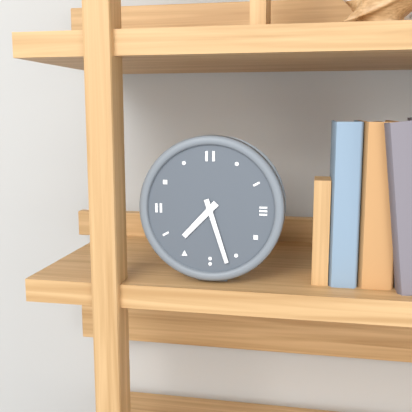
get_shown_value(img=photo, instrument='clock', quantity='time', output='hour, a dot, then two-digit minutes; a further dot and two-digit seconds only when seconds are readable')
7.27
